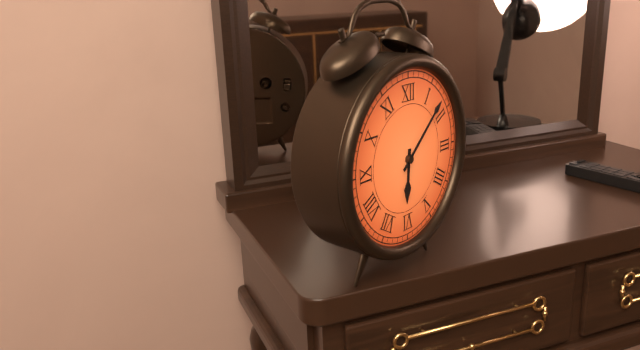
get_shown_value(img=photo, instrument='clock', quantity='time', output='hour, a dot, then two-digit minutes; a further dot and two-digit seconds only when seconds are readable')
6.08
